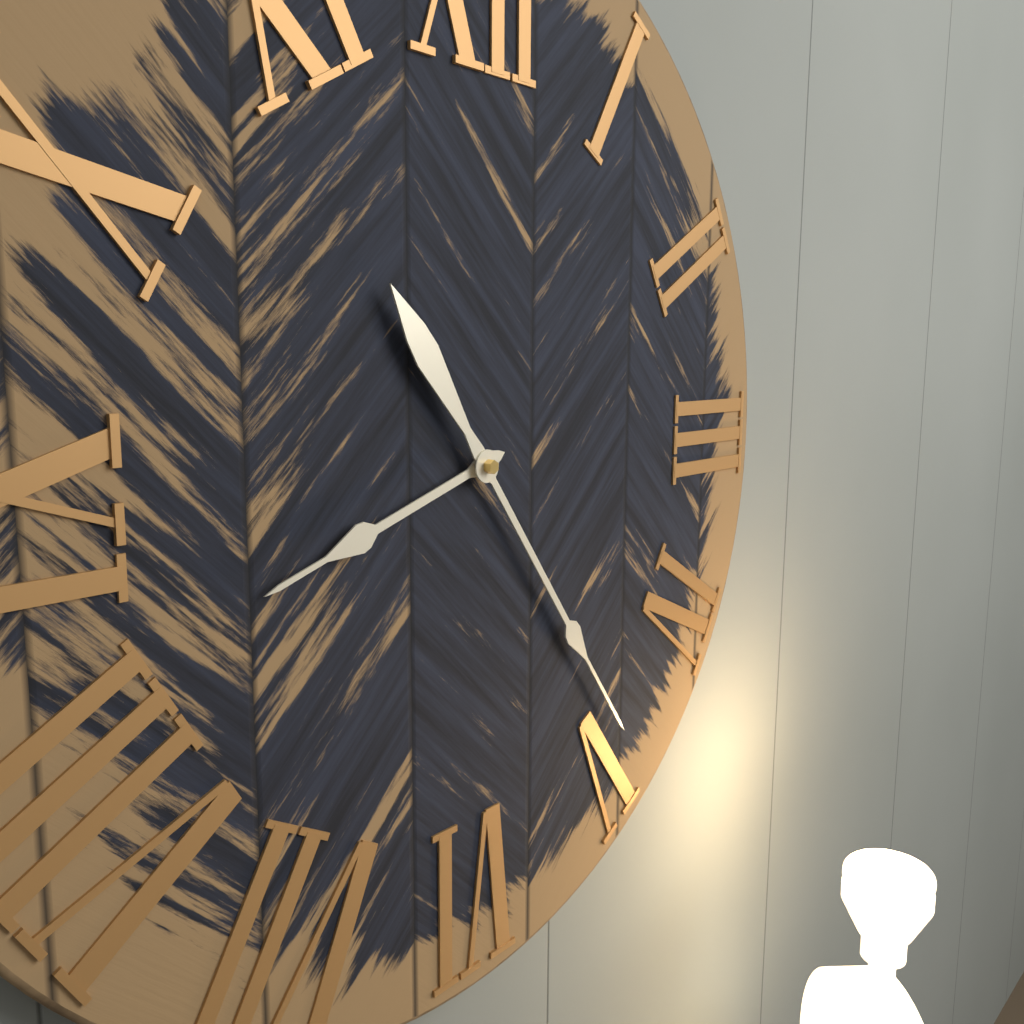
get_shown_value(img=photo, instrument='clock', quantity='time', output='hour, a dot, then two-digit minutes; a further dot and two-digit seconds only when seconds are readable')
8.24
